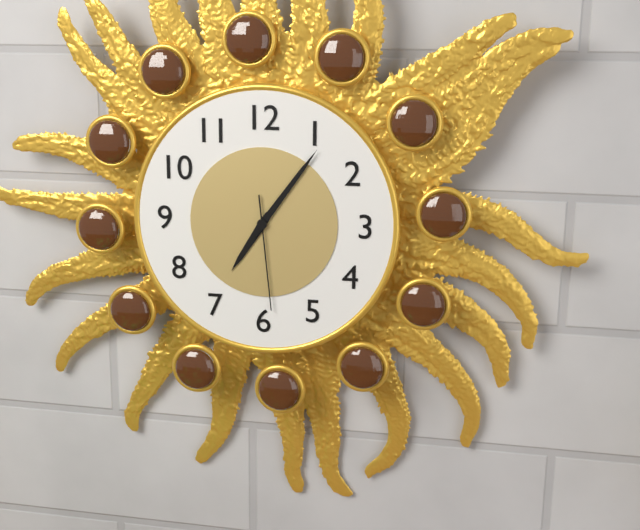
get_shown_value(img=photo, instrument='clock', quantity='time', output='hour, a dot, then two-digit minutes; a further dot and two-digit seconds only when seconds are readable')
7.06.29
